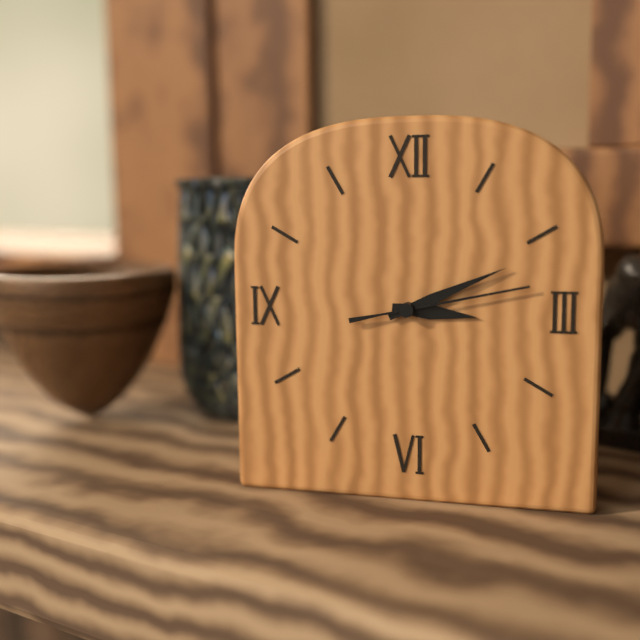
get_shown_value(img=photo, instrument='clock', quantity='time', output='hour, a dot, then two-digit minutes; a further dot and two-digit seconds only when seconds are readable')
3.11.13
